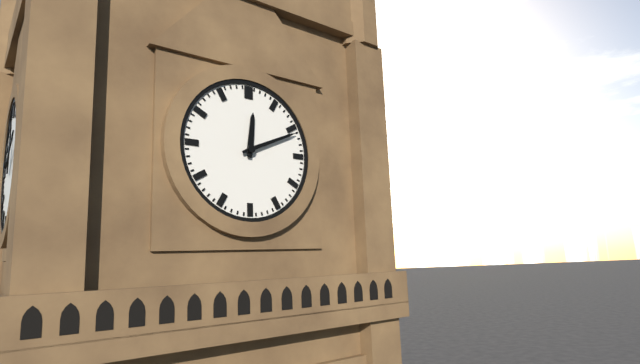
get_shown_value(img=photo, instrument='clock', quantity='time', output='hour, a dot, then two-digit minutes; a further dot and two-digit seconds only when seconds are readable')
12.11
